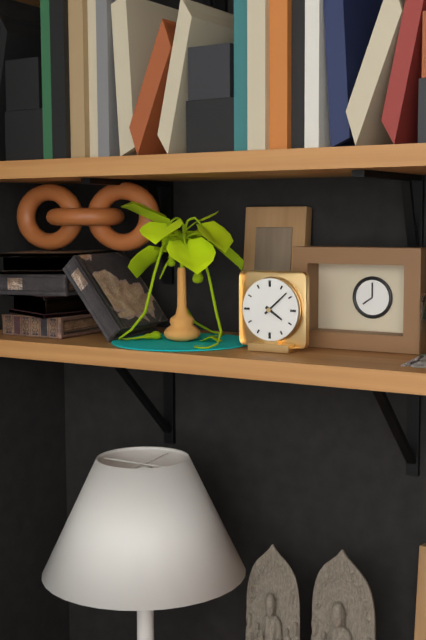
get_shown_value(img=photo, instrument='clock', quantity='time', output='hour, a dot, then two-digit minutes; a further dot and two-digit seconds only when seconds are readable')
4.08
